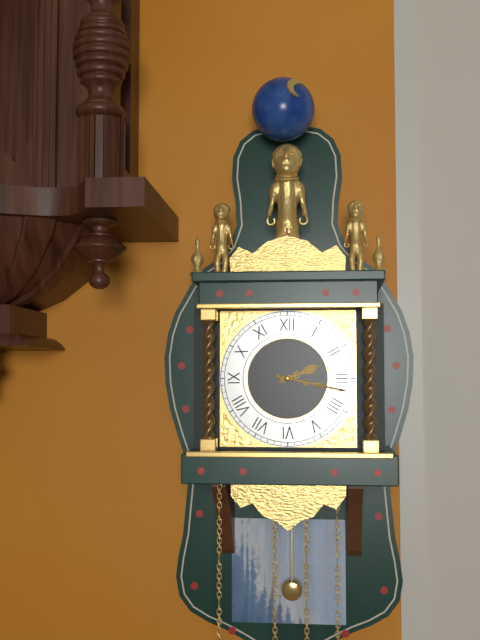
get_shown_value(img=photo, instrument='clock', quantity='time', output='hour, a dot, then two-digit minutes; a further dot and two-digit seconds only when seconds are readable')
2.17
